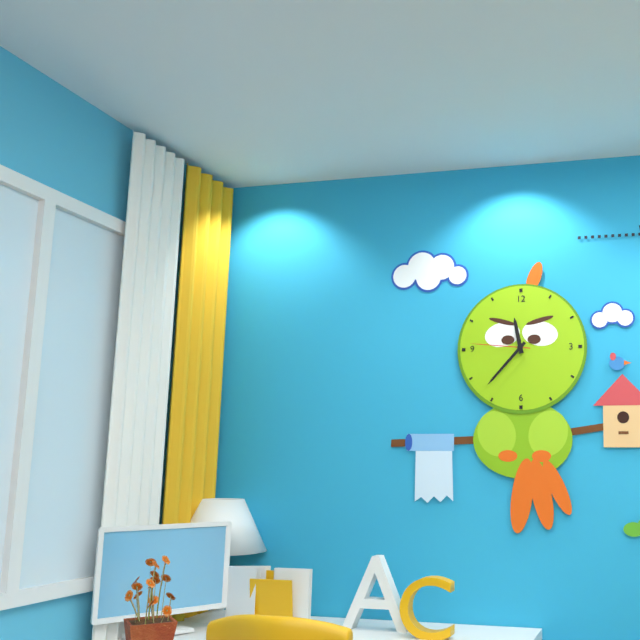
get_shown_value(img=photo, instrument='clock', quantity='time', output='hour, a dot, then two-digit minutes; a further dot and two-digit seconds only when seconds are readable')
11.37.46
